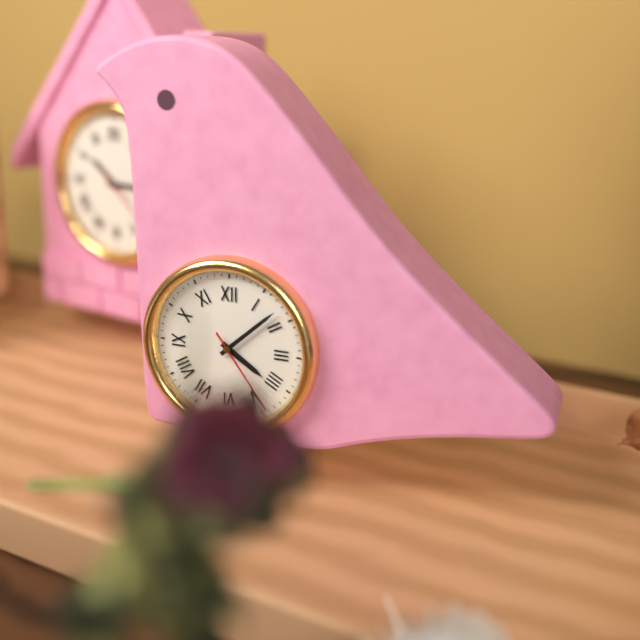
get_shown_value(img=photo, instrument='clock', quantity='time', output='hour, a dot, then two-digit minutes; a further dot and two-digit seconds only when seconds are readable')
4.08
